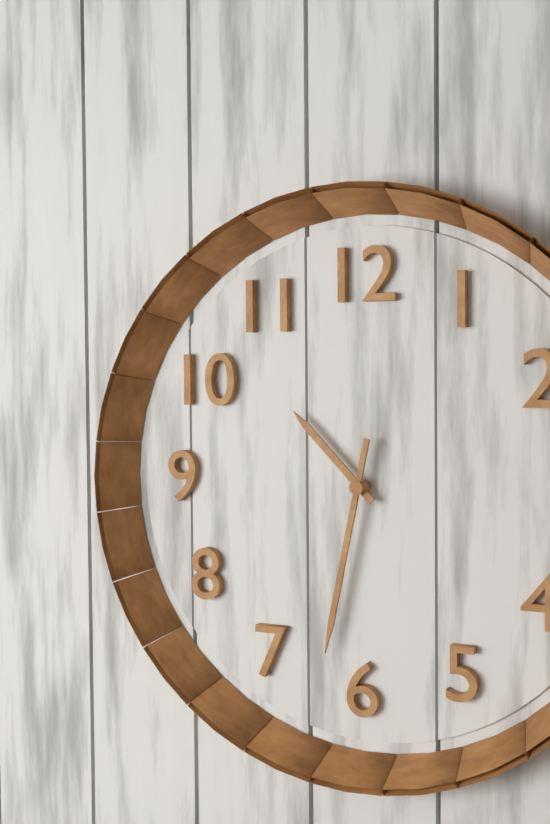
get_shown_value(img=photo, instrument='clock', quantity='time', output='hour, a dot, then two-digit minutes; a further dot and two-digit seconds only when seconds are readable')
10.32
